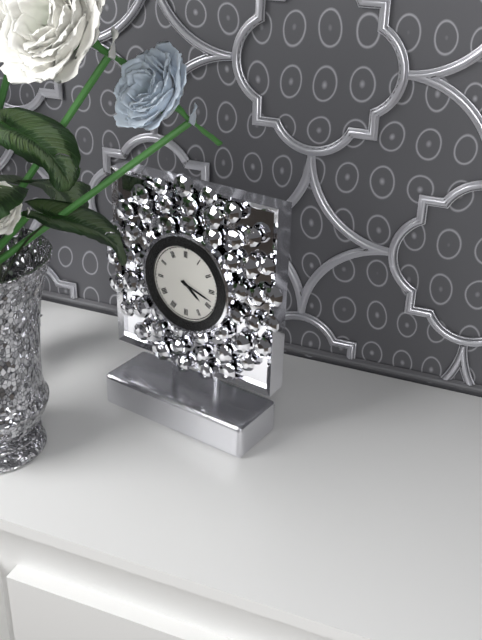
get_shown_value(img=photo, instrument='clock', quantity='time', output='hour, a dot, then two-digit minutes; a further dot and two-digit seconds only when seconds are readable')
4.18
